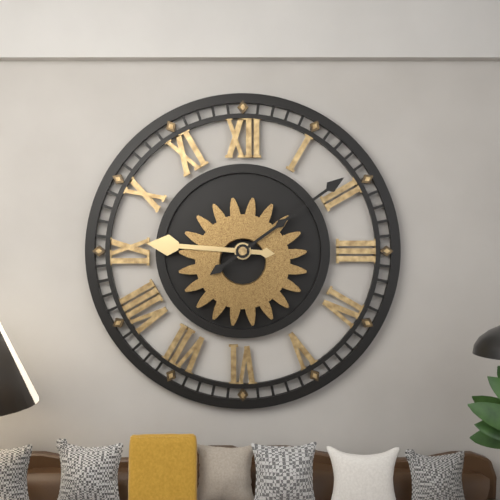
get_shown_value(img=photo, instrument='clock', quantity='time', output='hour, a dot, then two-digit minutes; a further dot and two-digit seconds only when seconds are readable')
9.09
